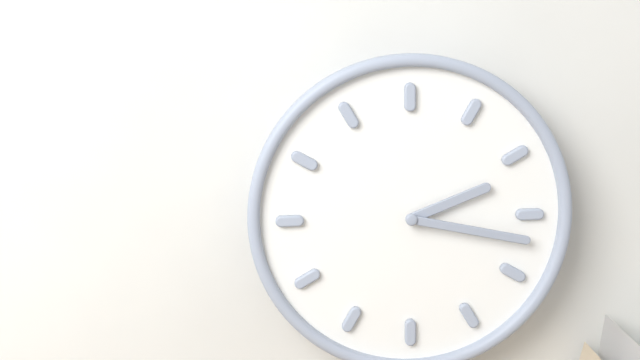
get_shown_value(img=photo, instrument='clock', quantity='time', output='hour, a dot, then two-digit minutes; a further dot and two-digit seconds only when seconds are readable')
2.17
